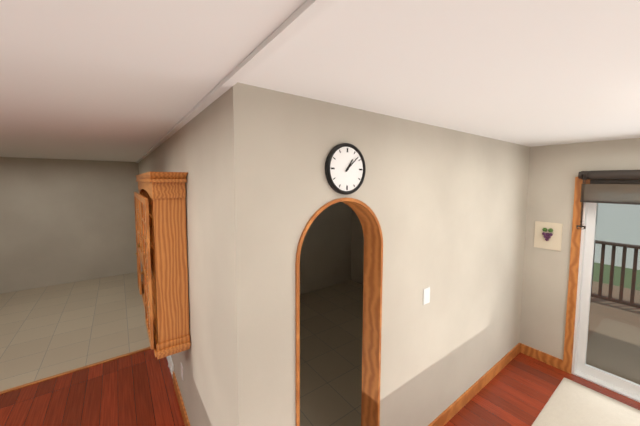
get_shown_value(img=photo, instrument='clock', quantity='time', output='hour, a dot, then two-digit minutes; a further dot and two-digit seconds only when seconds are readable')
1.08
